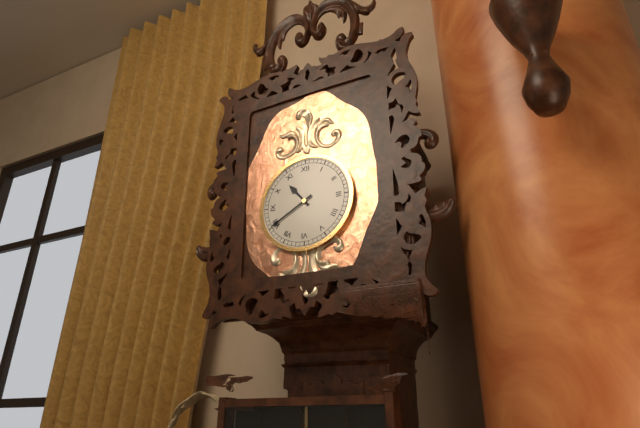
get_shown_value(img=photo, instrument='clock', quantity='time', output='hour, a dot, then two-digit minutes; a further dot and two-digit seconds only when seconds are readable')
10.40
